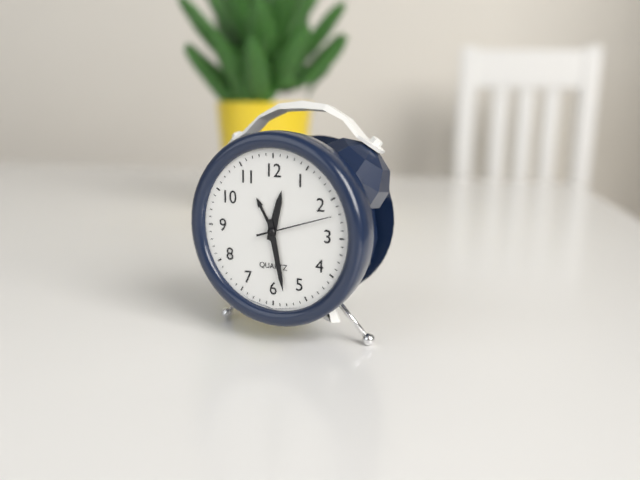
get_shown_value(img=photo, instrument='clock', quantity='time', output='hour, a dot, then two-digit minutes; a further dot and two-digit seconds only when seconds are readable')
12.28.12
